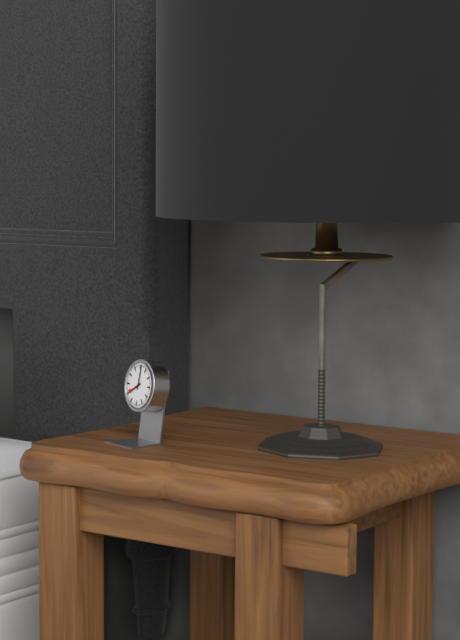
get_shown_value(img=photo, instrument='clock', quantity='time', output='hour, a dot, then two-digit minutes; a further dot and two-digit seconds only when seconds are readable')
8.01
